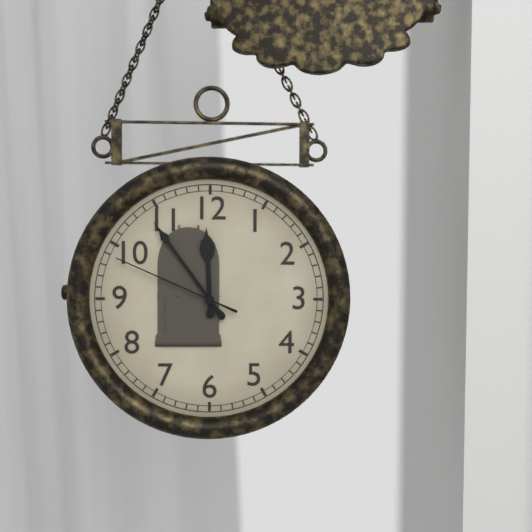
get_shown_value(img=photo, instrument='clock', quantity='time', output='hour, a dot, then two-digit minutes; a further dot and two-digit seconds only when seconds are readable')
11.54.49
